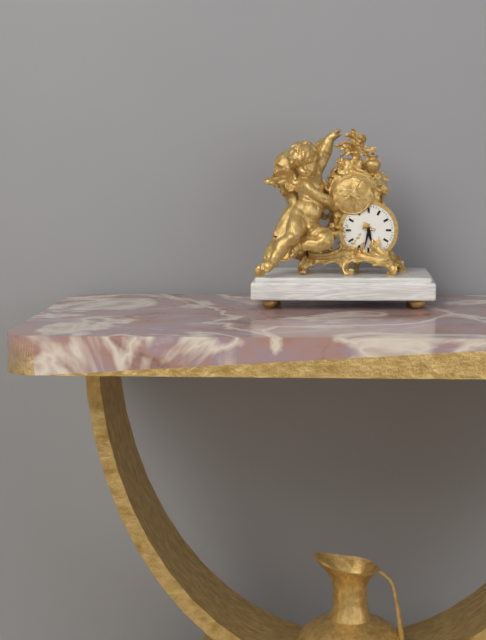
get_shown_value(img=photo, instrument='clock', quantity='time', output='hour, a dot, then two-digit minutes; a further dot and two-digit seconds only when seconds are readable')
5.32
